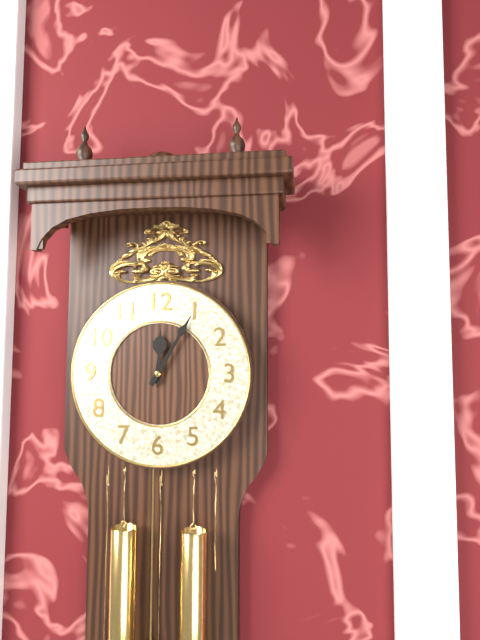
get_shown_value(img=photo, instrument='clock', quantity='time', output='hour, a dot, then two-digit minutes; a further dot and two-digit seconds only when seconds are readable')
12.05
